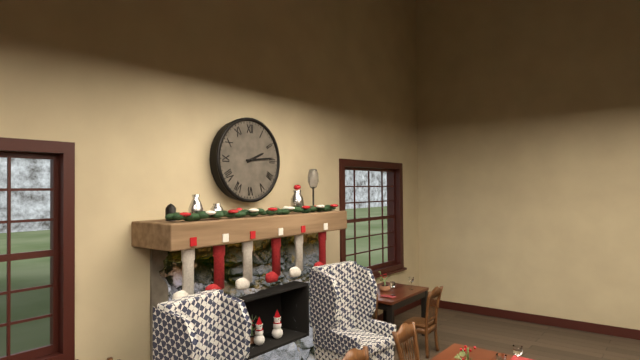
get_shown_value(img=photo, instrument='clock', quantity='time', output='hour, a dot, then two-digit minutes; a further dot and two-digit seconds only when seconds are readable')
2.14
